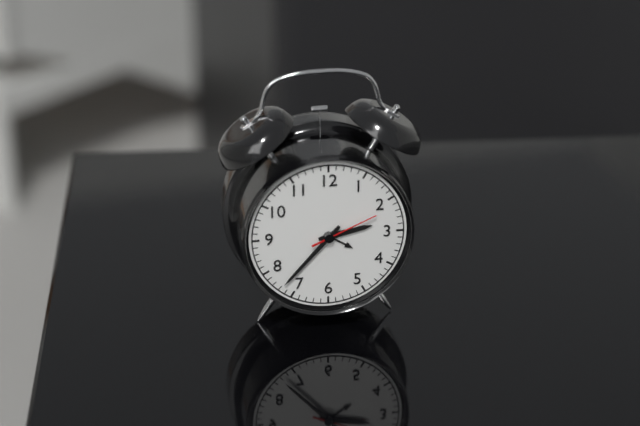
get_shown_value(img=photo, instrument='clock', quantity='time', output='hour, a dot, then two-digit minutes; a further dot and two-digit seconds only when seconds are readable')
2.37.11
